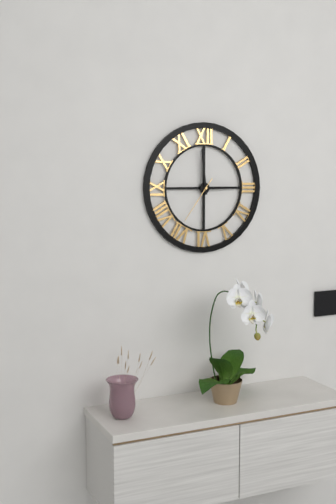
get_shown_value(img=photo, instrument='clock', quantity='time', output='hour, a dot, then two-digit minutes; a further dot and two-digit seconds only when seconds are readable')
2.59
